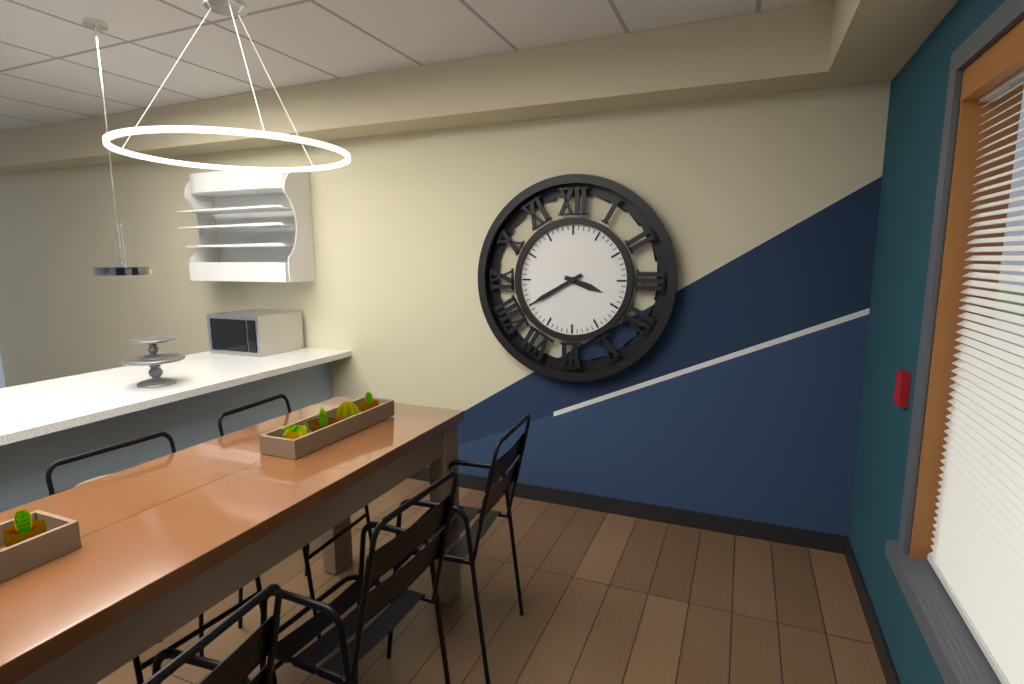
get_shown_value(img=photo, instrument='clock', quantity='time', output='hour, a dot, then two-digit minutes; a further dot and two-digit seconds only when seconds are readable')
3.40
